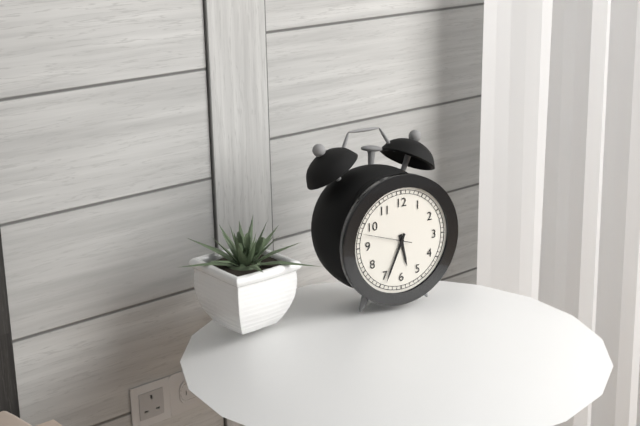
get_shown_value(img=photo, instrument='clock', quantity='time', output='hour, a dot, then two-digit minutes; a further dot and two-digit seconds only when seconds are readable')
5.34
